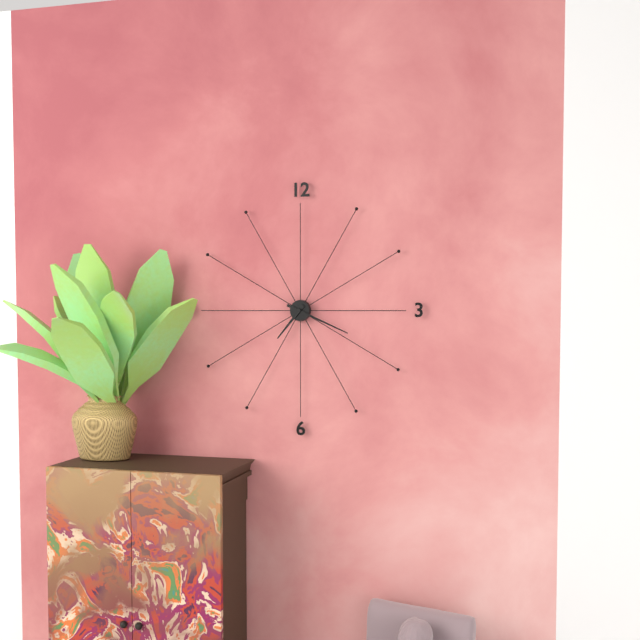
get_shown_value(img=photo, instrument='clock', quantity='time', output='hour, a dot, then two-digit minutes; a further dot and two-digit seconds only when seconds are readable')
7.19
